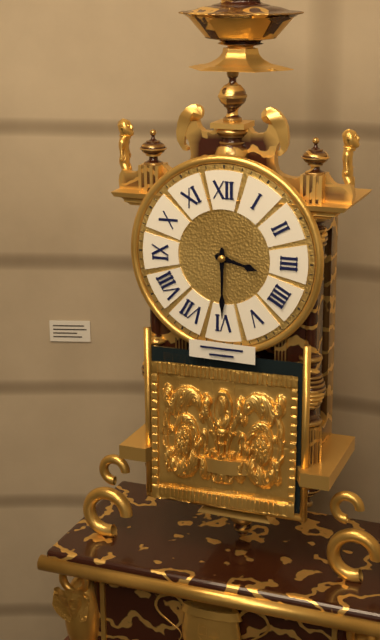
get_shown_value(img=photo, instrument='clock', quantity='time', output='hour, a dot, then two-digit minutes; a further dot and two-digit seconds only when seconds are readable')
3.30
